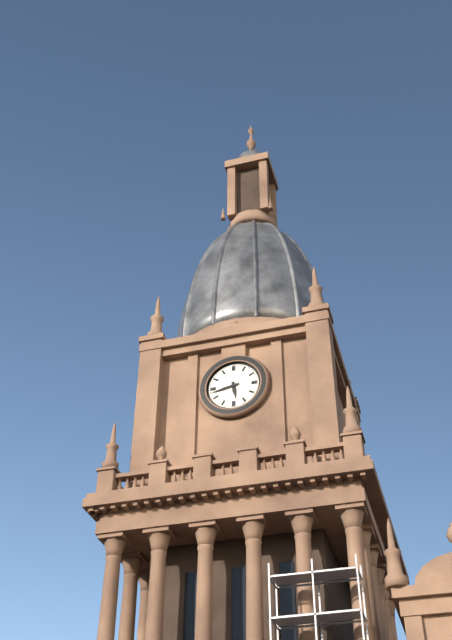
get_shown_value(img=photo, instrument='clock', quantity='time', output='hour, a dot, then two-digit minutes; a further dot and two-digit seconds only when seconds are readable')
5.43
